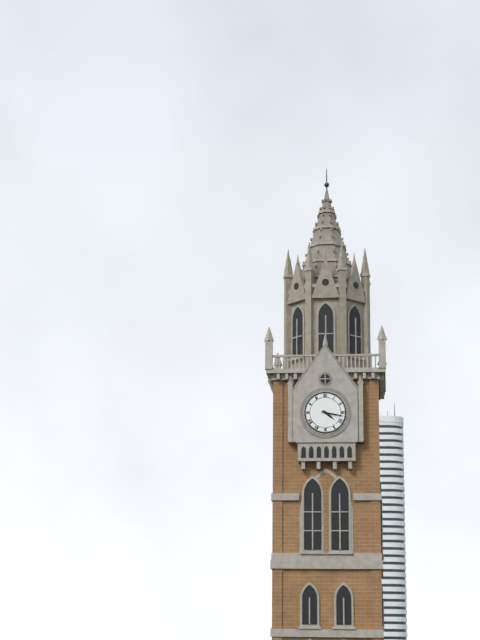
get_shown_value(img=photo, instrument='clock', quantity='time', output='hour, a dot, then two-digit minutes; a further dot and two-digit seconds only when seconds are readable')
4.17
